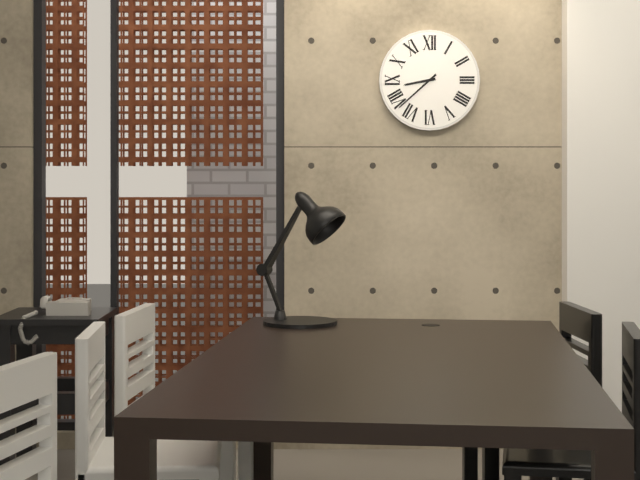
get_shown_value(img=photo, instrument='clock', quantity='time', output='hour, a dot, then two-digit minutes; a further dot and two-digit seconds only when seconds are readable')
8.38
